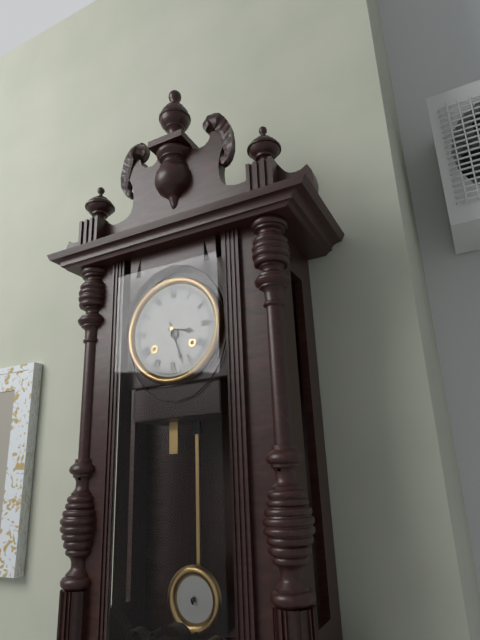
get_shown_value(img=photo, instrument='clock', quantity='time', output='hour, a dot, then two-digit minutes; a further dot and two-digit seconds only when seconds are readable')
3.27
